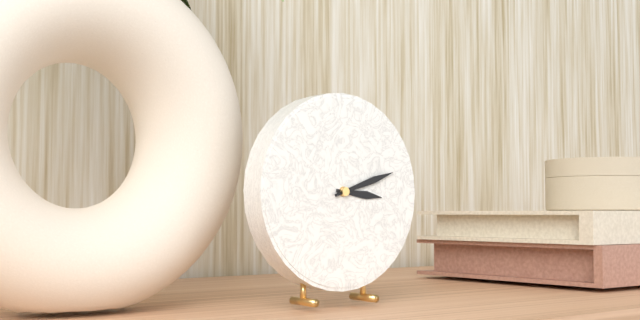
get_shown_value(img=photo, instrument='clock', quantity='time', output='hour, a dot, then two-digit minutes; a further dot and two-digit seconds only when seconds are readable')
3.12
